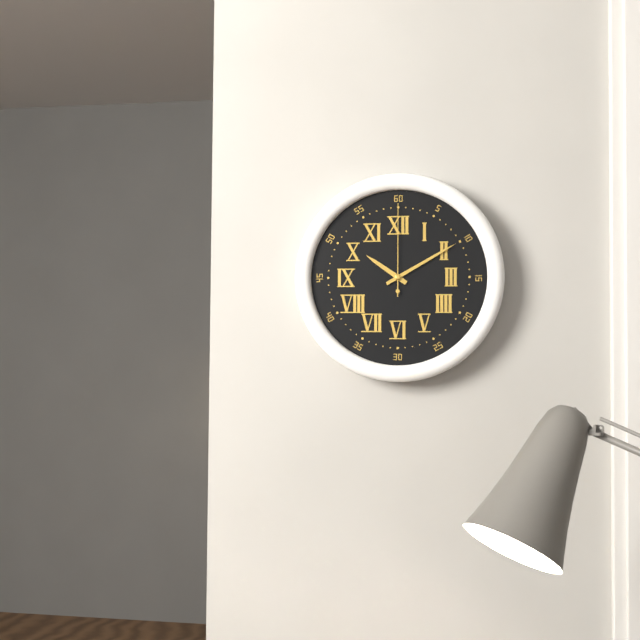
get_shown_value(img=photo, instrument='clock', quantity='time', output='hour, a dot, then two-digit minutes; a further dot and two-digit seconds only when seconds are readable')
10.10.00
